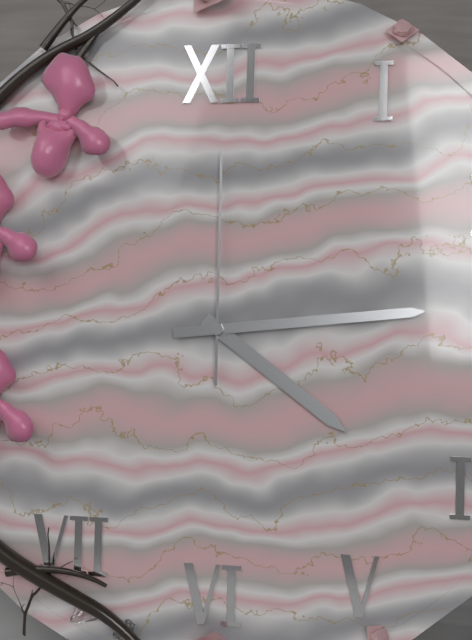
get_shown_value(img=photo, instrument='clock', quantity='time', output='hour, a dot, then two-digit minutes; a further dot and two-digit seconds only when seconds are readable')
4.14.00
